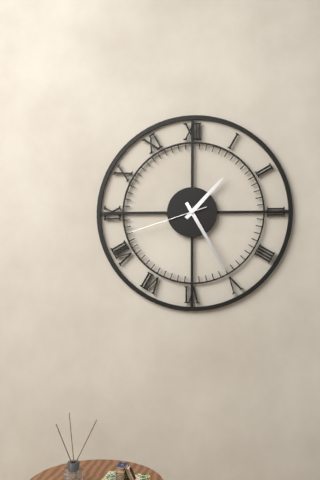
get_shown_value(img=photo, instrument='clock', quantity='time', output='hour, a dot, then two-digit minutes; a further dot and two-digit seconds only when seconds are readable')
1.25.42
